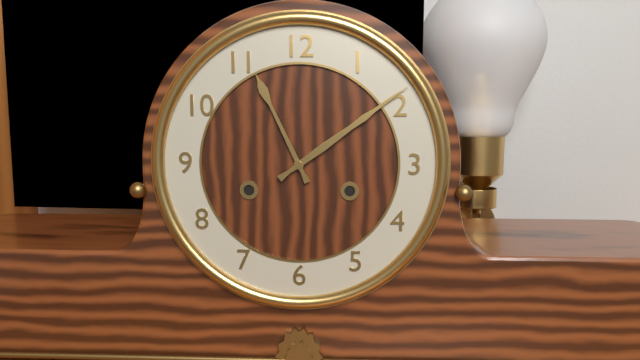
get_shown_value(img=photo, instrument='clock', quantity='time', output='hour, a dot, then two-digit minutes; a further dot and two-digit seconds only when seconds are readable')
11.09
